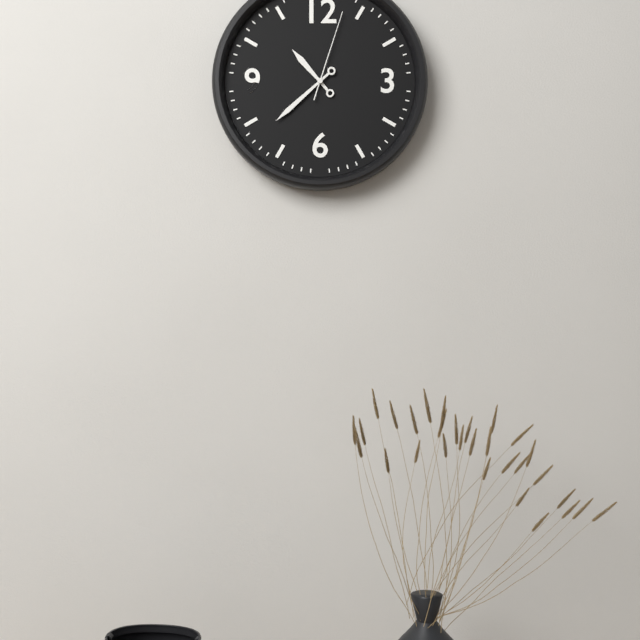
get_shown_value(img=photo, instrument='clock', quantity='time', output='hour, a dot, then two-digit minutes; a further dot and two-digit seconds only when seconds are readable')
10.38.03
